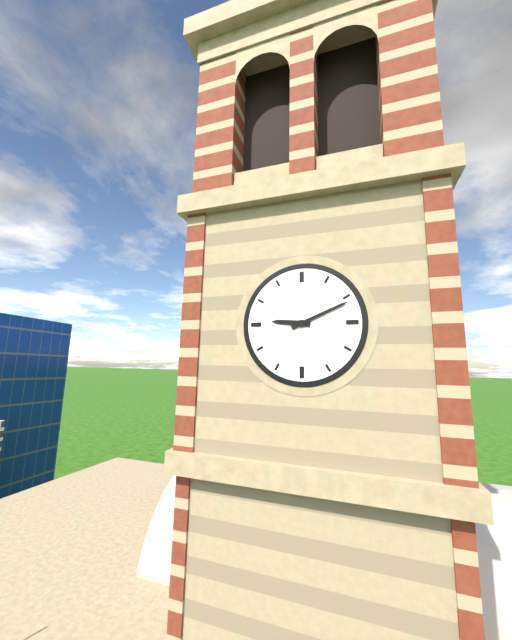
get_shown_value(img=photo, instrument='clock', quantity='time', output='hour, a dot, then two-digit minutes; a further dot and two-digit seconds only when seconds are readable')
9.11
